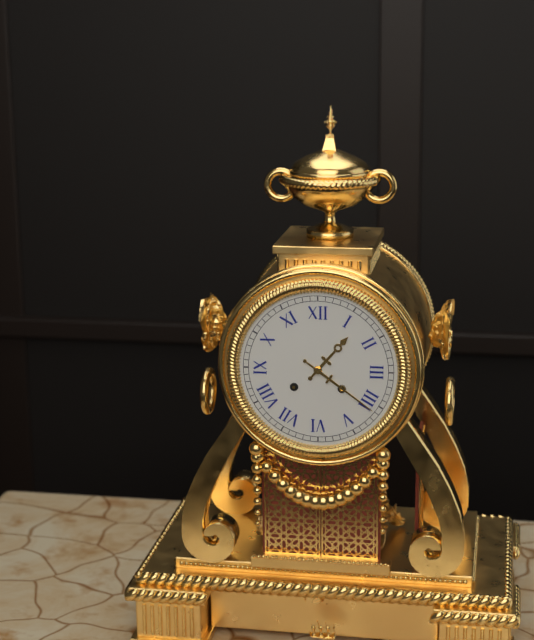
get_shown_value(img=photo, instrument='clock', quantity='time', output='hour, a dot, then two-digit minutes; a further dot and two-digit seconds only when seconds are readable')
1.21
